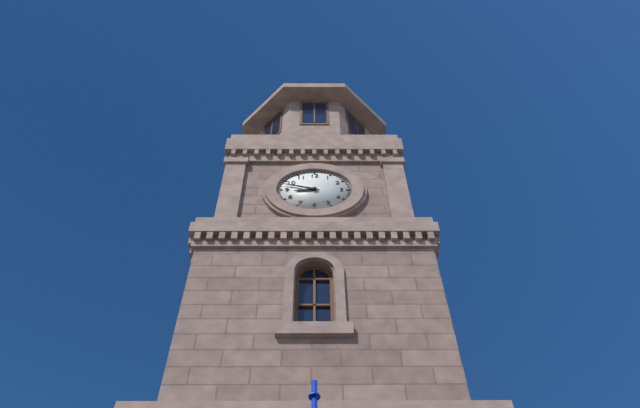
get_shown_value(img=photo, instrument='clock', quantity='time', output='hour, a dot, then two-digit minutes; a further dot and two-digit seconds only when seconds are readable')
8.48
